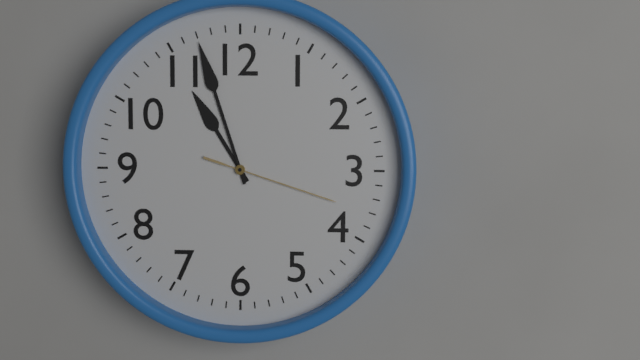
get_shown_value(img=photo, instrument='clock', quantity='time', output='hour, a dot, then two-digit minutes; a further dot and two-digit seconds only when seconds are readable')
10.57.18
